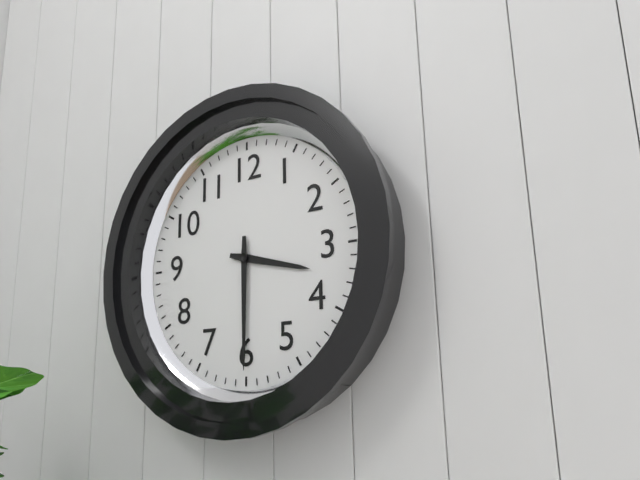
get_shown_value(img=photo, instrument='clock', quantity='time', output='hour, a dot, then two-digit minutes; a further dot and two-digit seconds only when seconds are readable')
3.30
